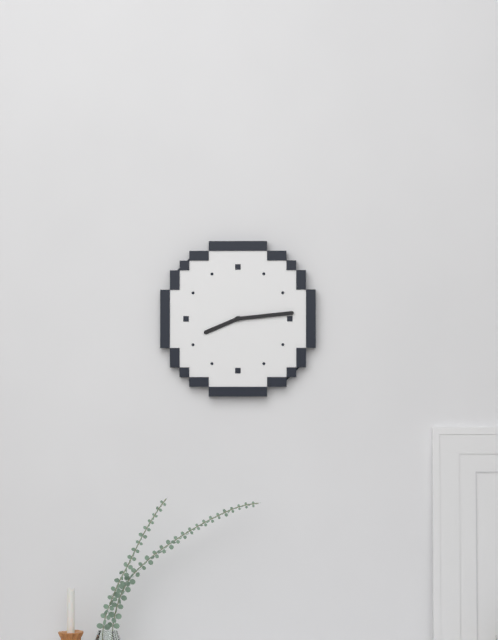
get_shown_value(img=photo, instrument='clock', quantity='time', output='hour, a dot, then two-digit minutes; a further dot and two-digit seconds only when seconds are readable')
8.14
